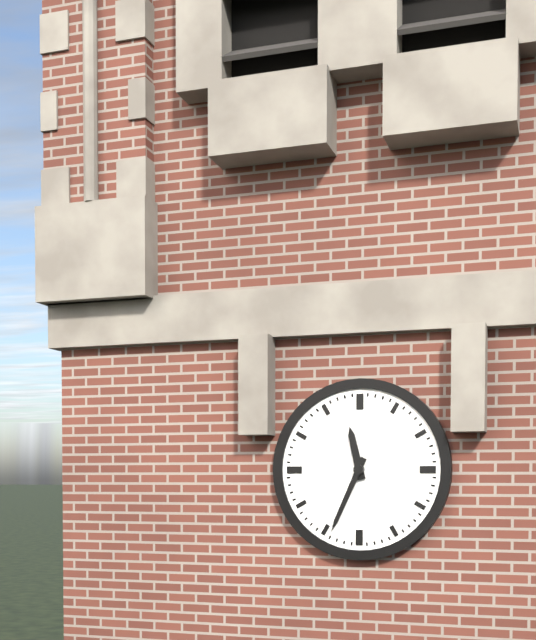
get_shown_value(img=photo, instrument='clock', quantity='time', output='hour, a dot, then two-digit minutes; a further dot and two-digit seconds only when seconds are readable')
11.34
